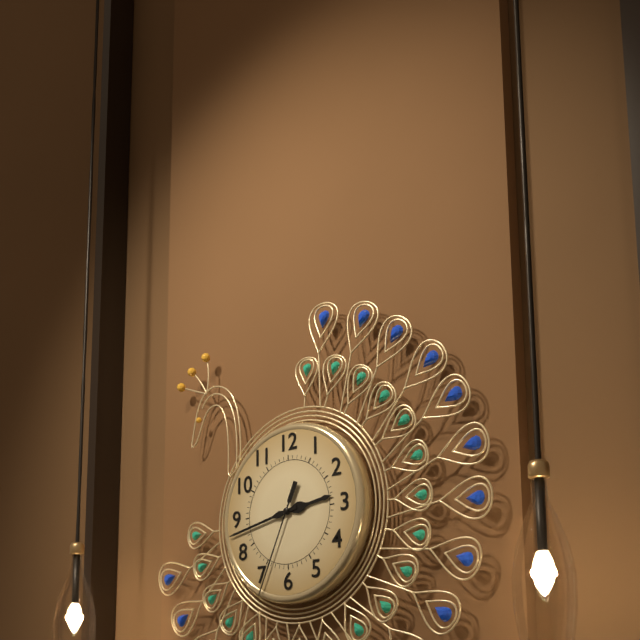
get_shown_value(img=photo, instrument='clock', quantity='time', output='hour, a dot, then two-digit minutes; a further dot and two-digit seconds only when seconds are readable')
2.43.34
